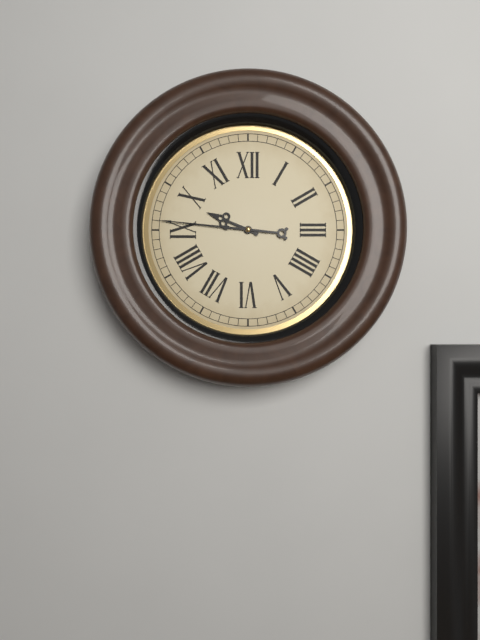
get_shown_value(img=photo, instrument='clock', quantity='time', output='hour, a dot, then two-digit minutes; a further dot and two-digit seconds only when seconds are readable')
9.46
